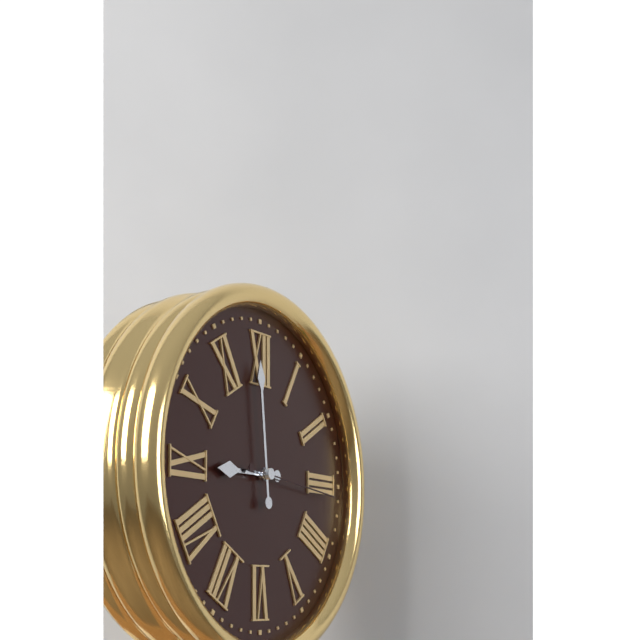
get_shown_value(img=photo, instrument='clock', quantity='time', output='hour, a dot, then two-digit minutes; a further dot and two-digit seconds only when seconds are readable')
8.59.16
